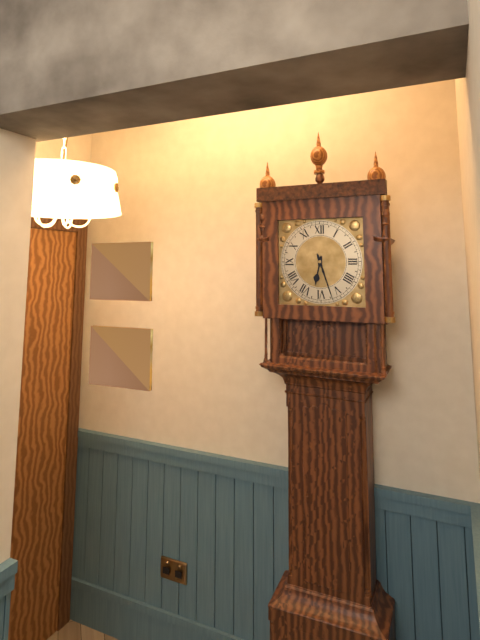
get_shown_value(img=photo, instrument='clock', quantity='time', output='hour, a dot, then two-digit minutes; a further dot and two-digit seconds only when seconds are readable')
6.27
